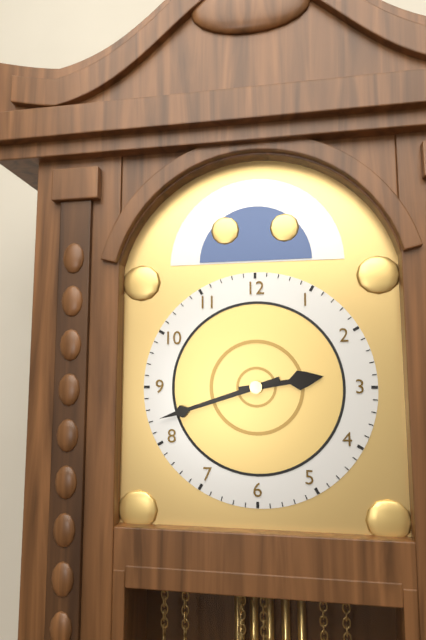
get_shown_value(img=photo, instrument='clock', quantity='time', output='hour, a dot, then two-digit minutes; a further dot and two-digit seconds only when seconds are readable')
2.42
